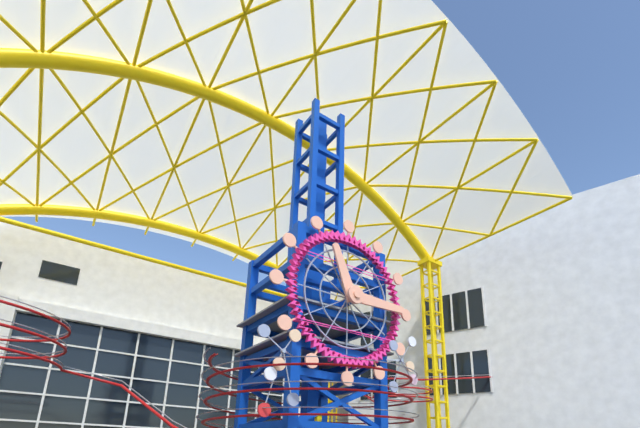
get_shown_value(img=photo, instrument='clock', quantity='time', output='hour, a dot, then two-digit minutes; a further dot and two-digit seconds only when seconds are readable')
11.15
